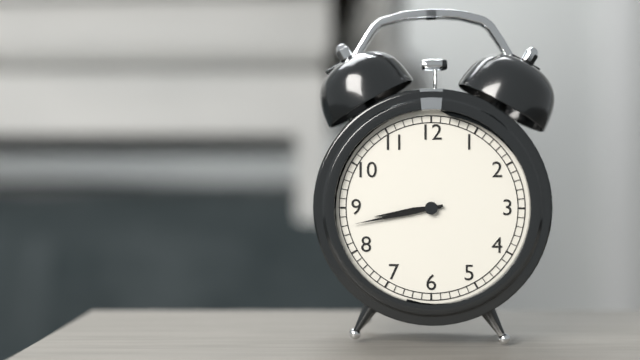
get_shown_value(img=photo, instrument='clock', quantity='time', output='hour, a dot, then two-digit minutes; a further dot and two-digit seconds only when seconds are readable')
8.43
